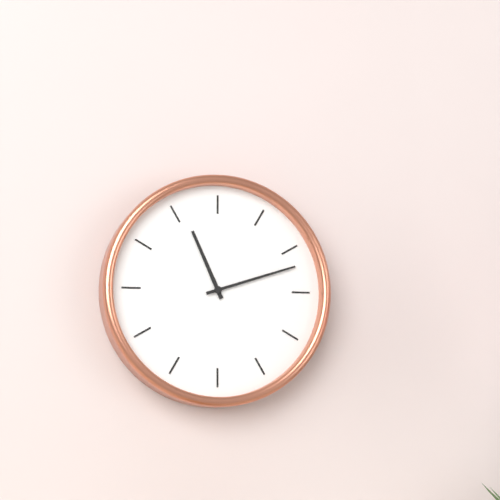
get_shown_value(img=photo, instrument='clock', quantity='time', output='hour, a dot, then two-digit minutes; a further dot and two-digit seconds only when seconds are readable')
11.12
